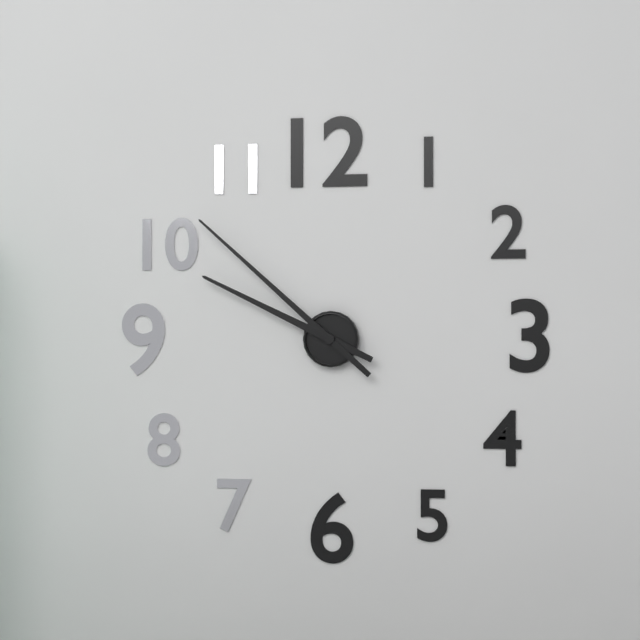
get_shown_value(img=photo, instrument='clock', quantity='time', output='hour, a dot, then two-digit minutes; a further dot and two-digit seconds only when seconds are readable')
9.52
